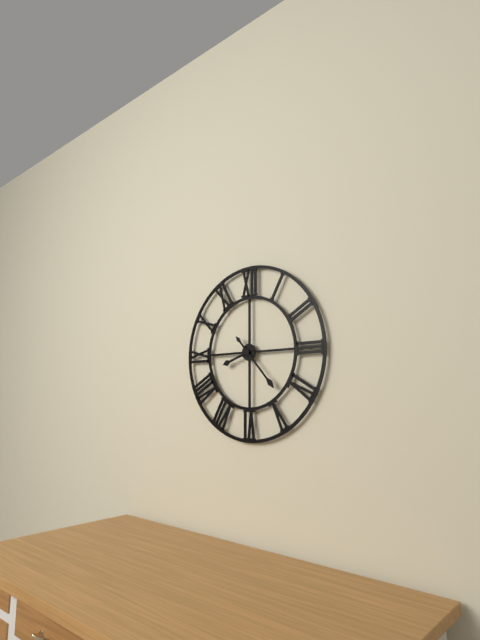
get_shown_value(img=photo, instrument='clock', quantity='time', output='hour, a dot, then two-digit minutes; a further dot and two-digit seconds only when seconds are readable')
8.23
